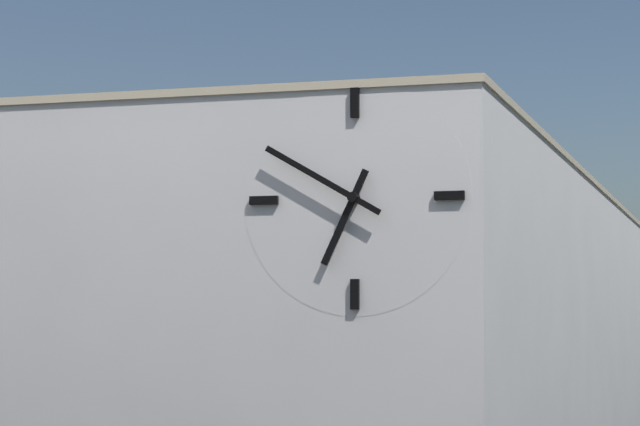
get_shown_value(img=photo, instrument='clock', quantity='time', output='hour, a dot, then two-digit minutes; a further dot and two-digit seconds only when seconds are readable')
6.50
